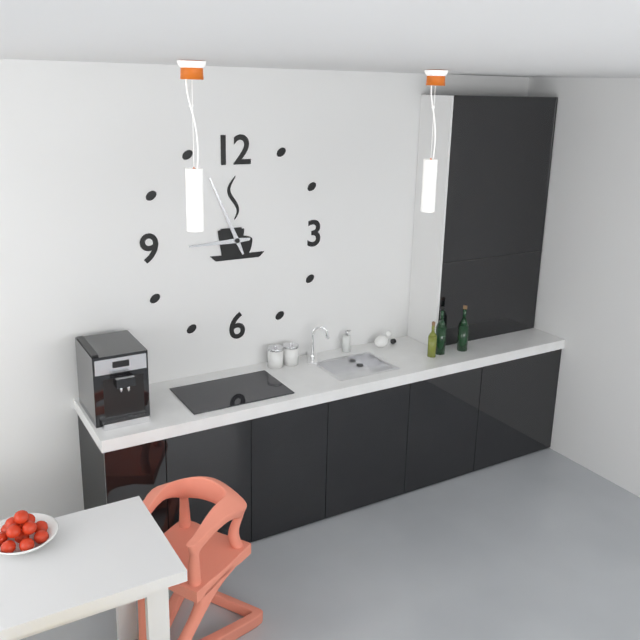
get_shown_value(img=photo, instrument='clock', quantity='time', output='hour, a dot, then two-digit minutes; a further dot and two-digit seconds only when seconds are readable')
8.56
